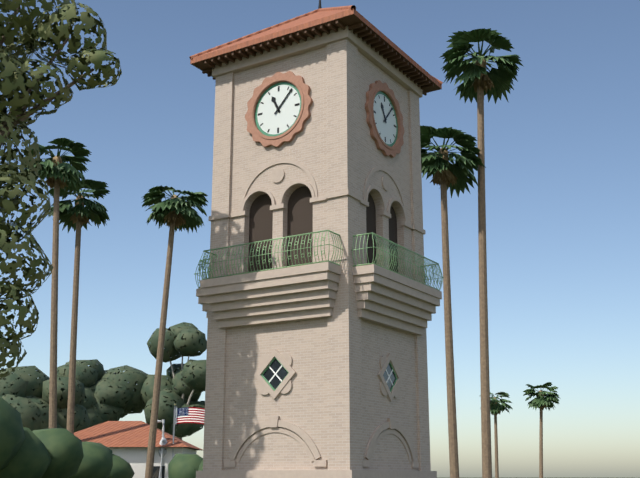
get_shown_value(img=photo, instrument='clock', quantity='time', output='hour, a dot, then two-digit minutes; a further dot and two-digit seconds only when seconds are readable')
11.07
